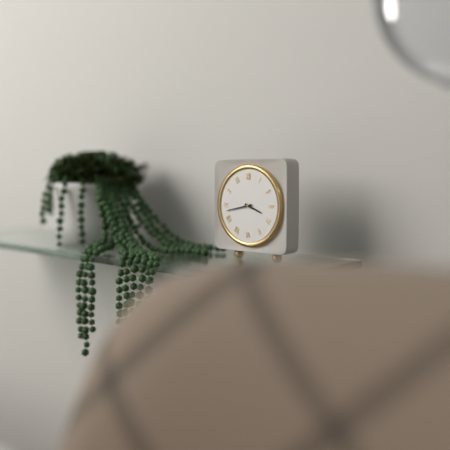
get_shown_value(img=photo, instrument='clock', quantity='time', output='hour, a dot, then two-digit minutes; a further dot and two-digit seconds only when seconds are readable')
3.43
